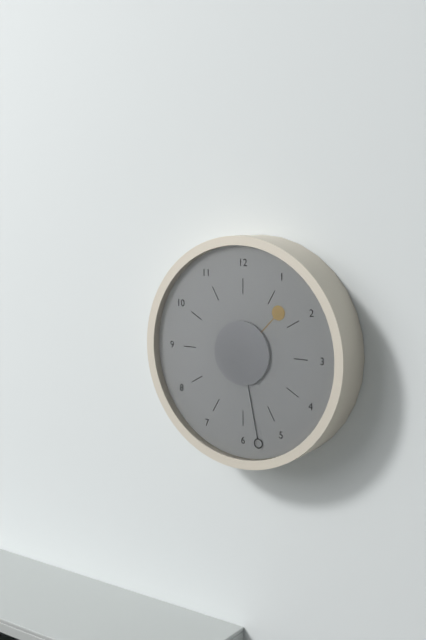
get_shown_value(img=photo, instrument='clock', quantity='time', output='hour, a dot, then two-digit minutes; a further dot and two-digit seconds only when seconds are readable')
1.28
